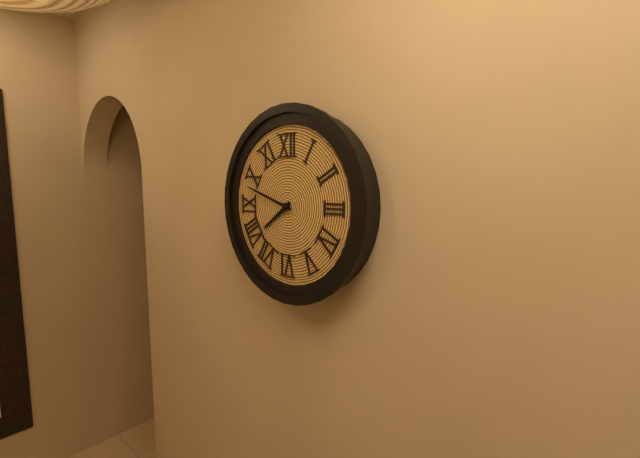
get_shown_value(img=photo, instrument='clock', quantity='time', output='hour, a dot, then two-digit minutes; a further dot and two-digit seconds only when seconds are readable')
7.48
